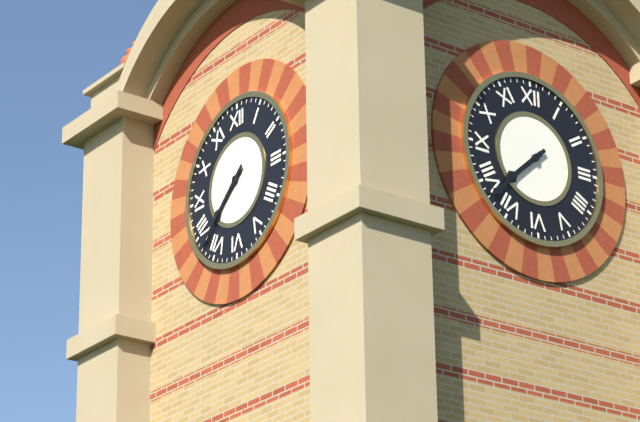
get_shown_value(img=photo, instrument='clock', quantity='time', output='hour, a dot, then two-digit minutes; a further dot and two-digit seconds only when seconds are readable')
7.38
